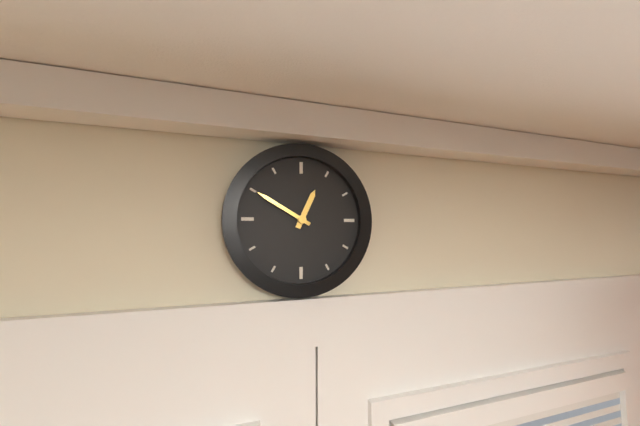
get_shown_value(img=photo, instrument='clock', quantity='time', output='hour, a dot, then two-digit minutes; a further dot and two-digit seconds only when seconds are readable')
12.50
